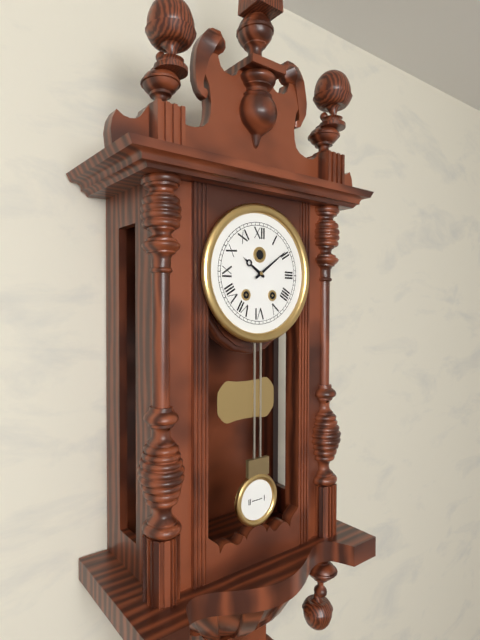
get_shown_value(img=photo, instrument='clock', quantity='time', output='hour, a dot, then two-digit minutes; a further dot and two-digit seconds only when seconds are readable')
10.09
